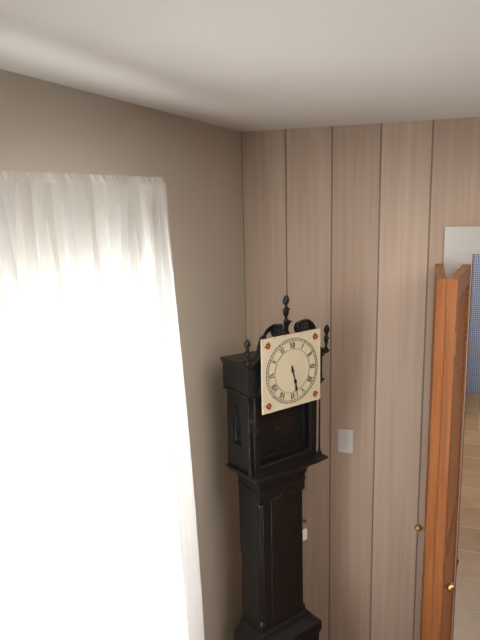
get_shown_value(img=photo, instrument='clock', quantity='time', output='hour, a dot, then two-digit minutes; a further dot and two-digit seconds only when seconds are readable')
5.28
